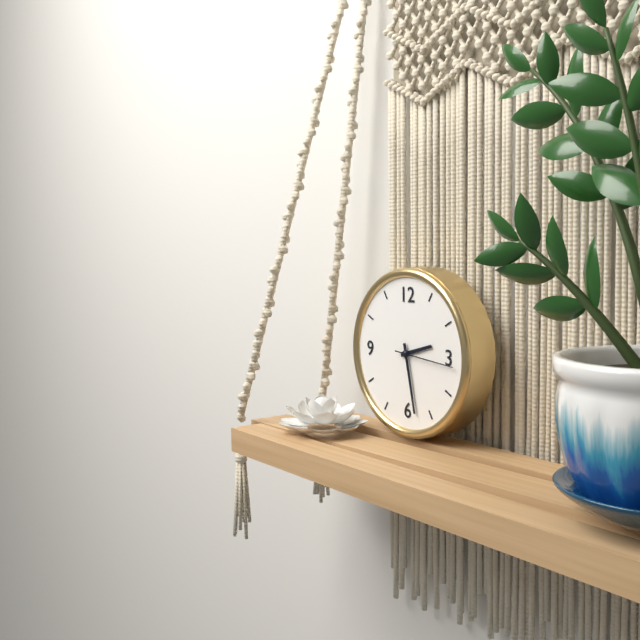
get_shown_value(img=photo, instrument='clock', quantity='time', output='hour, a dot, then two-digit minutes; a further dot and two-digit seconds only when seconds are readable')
2.28.16
